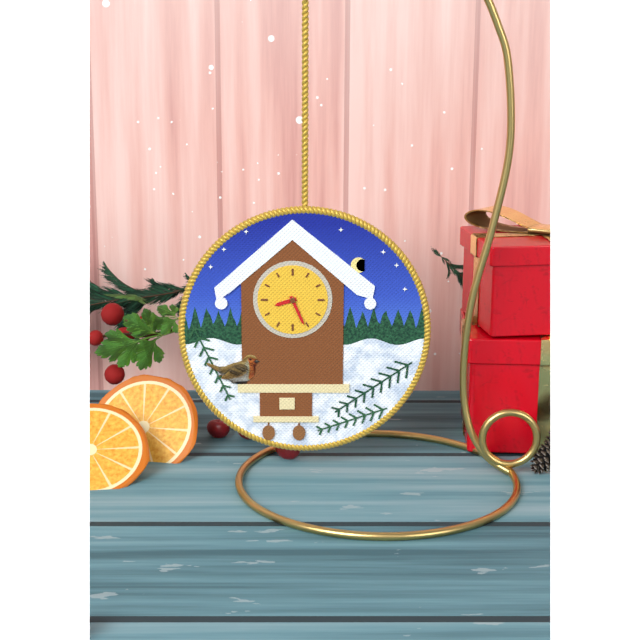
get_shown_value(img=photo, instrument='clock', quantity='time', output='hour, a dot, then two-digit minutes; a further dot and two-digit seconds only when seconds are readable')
8.26
